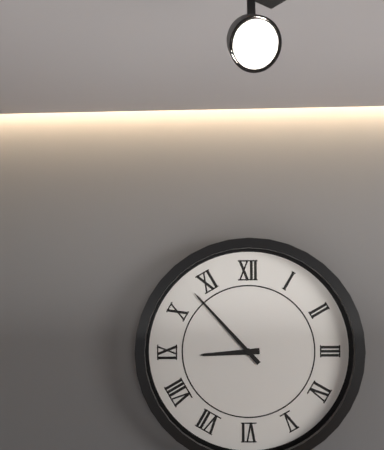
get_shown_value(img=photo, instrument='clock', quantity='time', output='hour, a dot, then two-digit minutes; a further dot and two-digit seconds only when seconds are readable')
8.53
